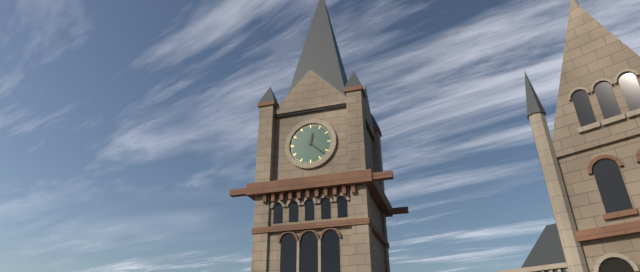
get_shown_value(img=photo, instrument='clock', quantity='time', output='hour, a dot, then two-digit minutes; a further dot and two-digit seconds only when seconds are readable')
12.22
